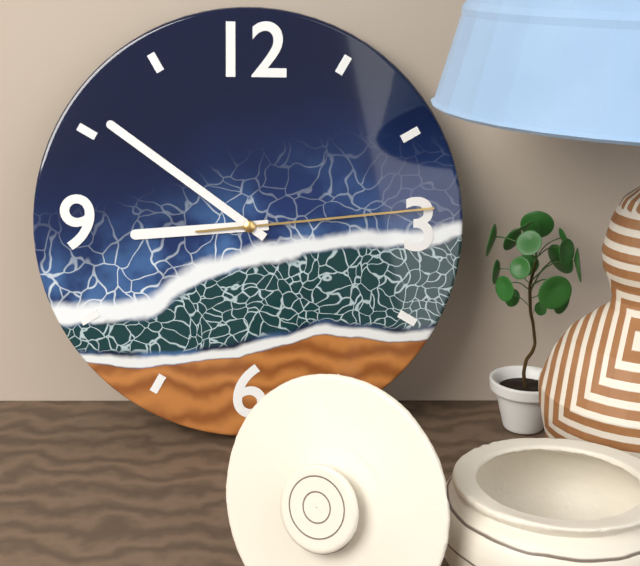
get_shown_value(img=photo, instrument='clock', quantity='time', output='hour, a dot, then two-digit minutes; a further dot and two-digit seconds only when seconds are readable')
8.51.14
